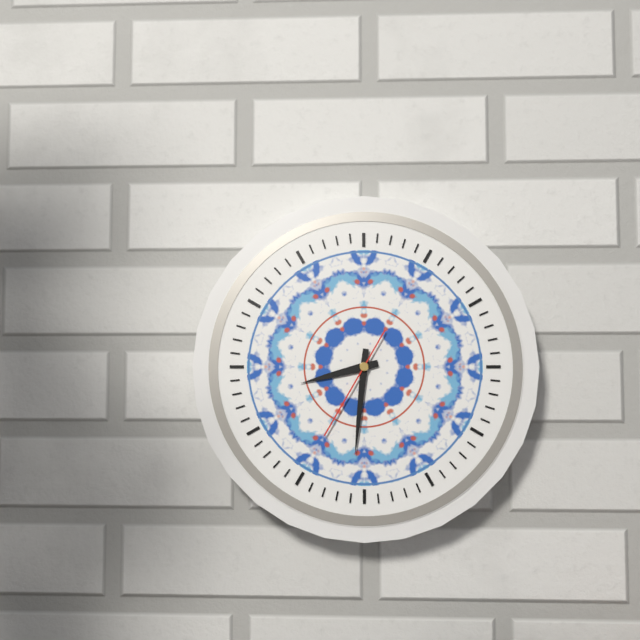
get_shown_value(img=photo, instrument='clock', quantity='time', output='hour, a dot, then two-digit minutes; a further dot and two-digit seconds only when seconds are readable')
8.31.35
